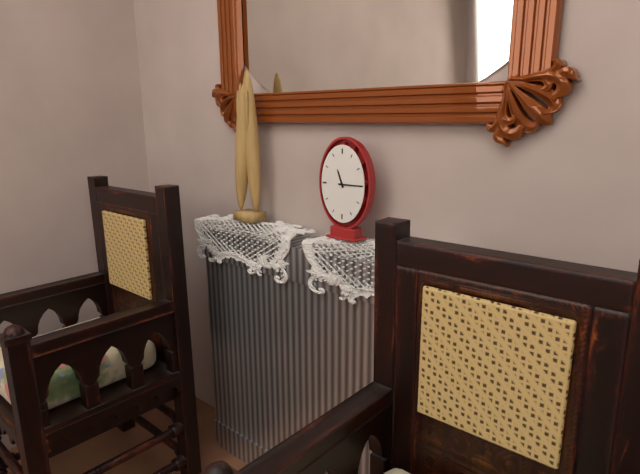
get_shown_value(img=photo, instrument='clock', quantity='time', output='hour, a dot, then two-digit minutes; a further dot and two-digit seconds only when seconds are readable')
11.15
